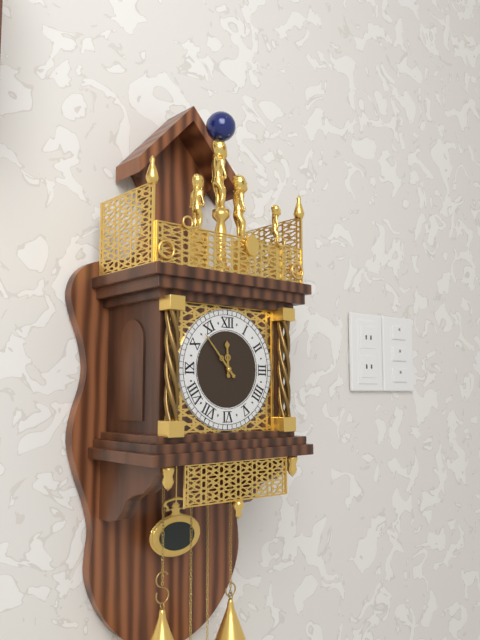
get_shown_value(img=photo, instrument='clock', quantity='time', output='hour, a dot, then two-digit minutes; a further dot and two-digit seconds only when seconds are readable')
11.53
